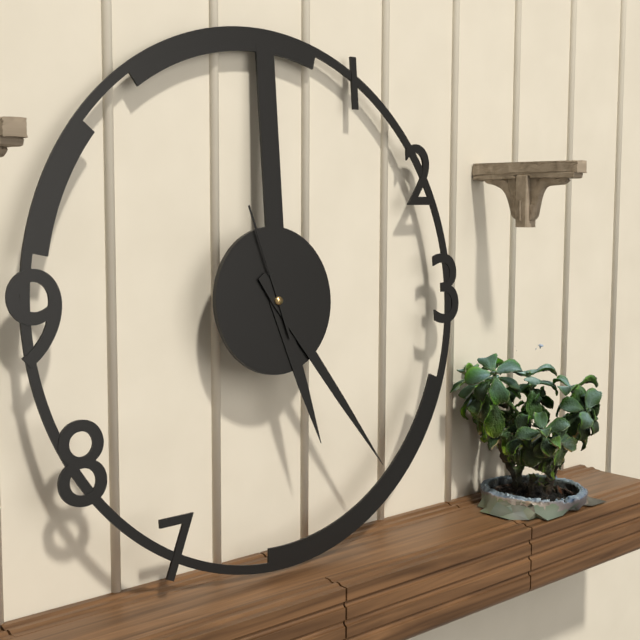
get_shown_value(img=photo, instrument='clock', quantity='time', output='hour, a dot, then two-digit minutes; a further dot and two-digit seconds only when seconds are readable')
5.24.57
